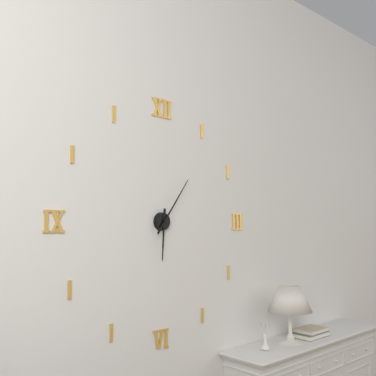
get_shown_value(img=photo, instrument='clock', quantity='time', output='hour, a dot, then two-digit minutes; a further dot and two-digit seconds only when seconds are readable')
6.06
